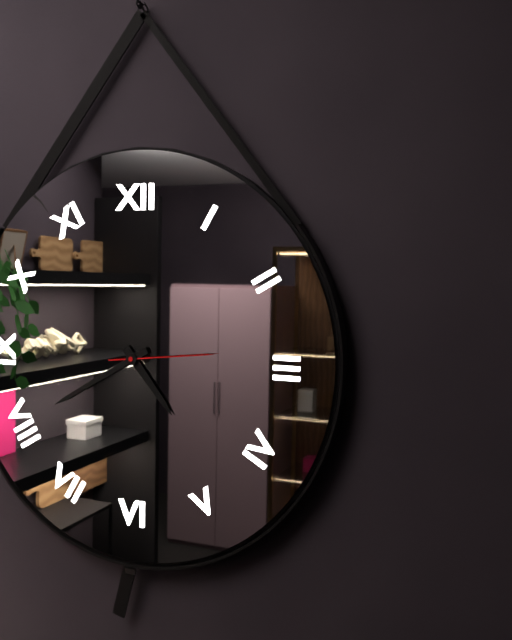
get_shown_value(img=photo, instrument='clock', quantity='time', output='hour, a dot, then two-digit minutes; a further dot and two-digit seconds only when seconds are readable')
4.40.14
